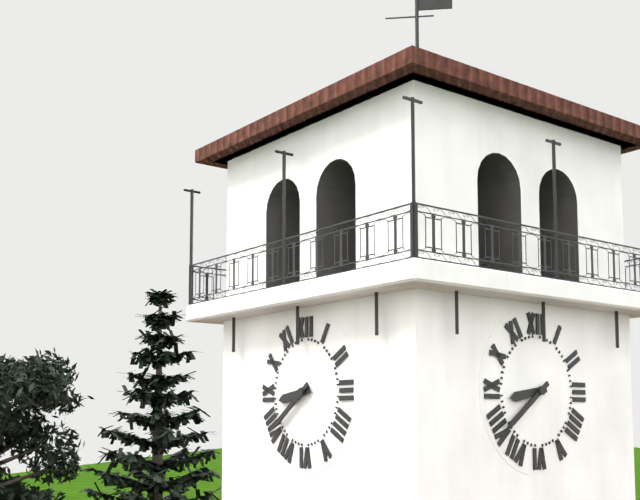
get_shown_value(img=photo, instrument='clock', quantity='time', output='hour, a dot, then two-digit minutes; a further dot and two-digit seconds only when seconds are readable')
8.39
